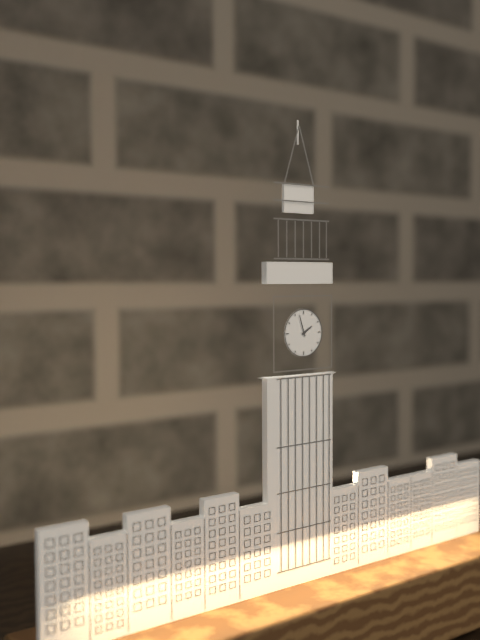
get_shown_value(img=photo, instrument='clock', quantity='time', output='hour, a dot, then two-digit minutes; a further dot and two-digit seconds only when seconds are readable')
1.57
